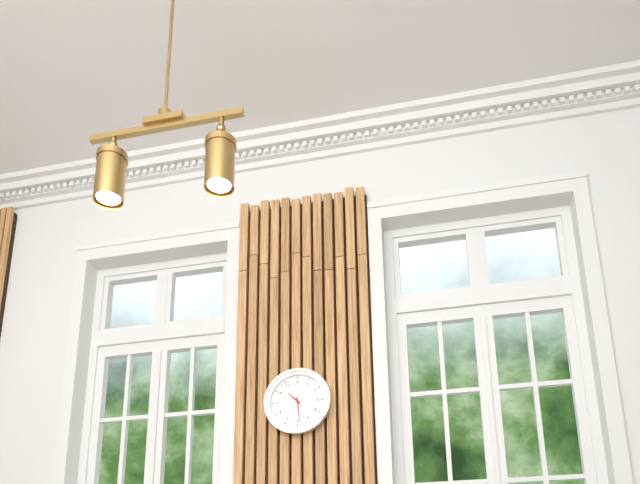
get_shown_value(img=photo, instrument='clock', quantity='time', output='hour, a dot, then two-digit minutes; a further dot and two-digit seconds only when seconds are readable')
10.29
